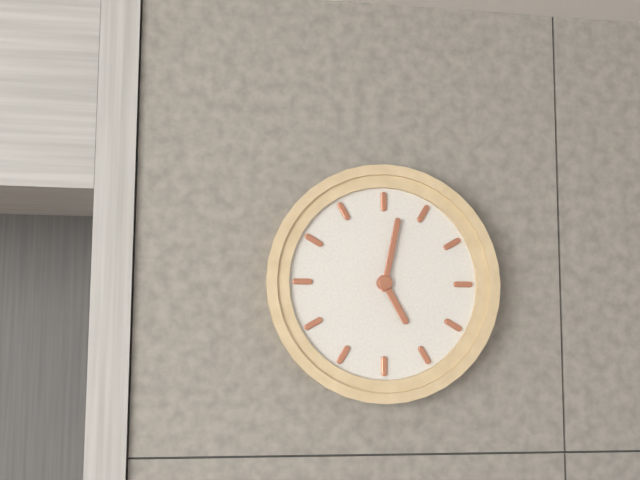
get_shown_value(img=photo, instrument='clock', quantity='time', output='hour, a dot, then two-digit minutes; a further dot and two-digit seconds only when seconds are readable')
5.02
